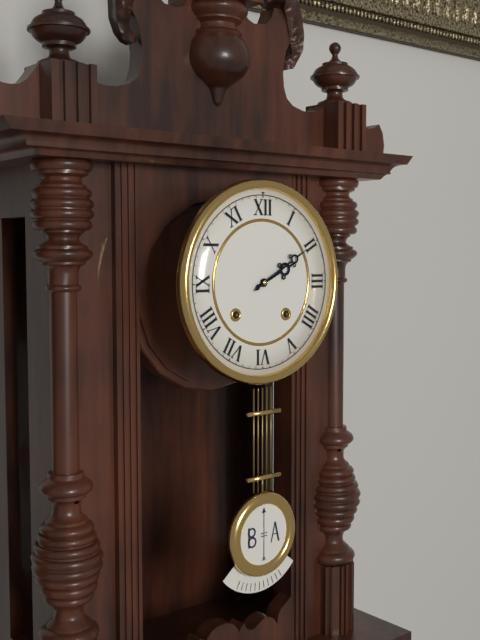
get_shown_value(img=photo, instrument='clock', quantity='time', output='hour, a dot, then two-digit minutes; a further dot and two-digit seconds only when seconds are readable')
2.10
